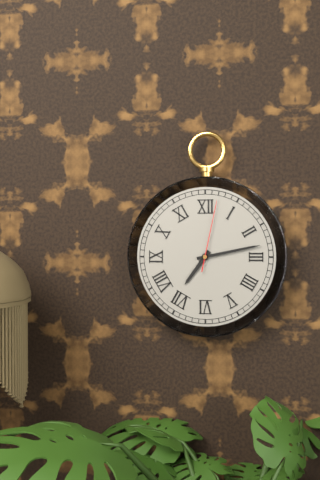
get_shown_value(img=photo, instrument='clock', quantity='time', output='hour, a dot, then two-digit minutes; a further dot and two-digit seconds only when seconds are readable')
7.13.02
